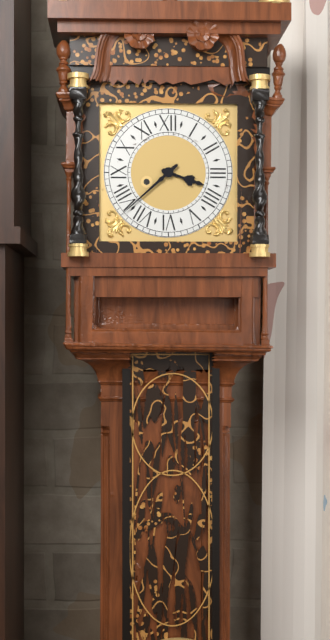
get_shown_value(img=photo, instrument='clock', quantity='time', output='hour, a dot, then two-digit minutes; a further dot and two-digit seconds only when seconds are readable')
3.38
